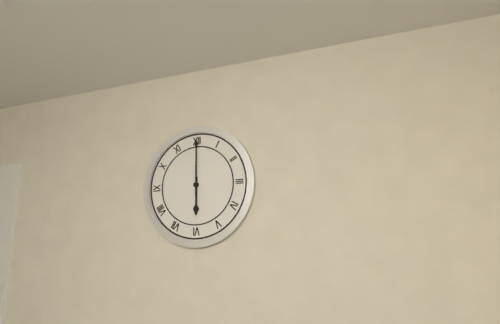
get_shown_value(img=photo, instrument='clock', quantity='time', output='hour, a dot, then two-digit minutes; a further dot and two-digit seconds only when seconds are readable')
6.00
